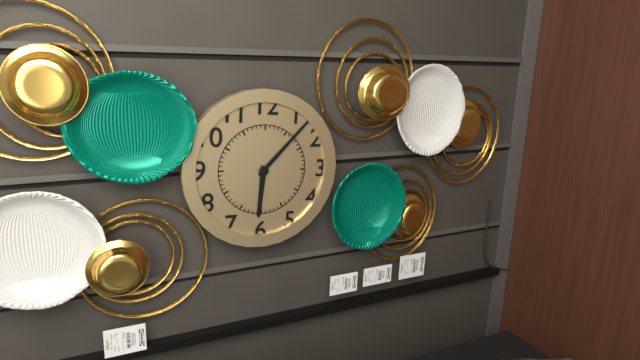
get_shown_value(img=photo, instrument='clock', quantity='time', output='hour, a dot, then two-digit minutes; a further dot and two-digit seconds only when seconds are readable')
6.07
